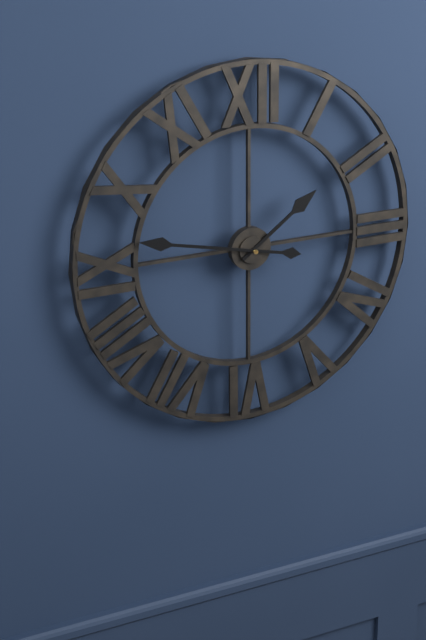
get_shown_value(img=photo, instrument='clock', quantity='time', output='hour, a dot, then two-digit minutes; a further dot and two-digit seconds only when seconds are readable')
1.47
